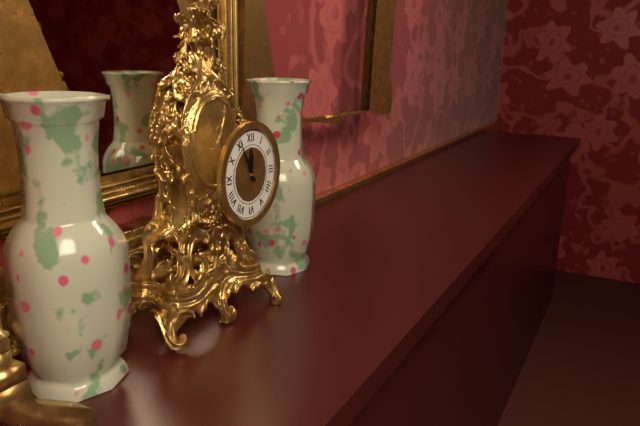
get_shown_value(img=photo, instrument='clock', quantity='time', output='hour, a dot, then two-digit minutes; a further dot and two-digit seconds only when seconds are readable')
11.55
